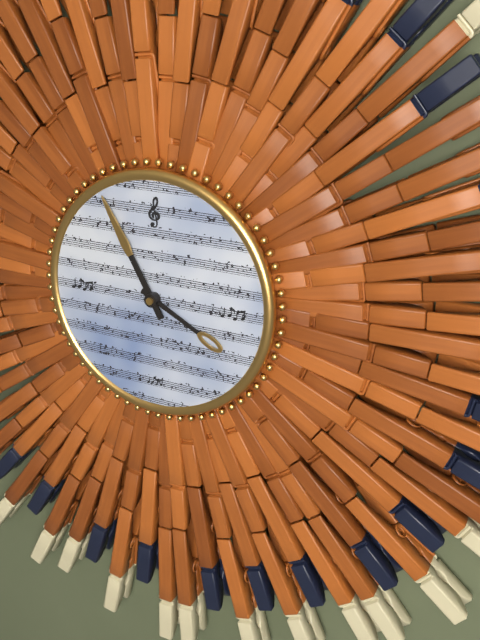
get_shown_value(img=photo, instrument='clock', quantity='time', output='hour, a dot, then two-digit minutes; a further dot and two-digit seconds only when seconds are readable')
3.55
